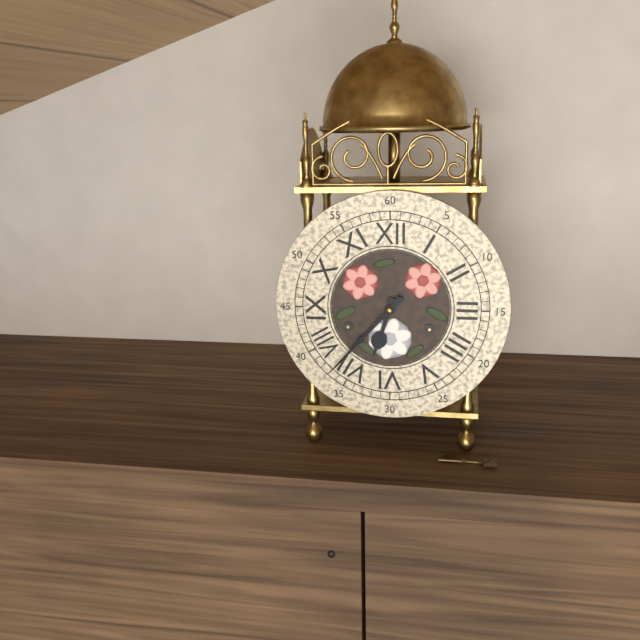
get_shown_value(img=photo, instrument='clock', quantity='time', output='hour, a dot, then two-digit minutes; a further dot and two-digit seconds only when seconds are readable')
6.37
